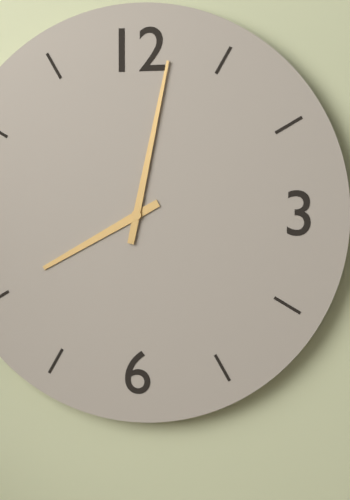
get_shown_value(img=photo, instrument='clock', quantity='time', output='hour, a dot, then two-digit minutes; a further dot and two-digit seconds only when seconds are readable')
8.02
